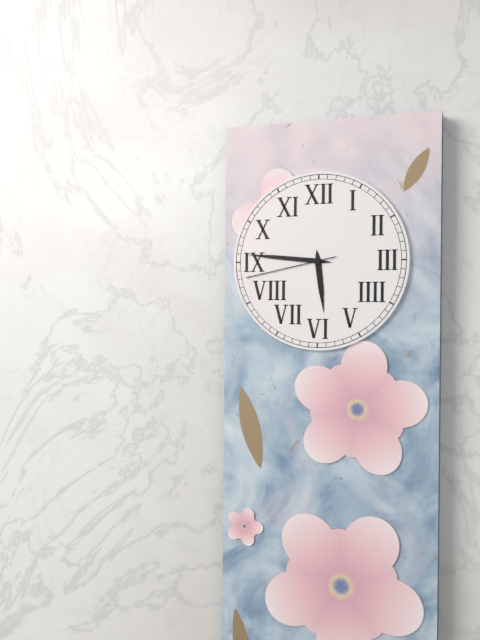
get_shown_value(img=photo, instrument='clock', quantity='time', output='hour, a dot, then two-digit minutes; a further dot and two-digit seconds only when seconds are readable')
5.46.43
